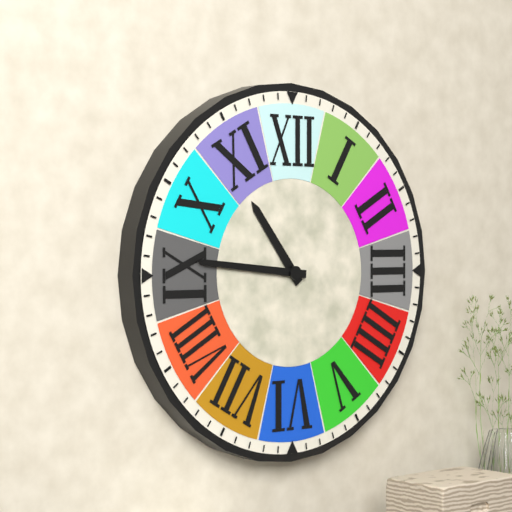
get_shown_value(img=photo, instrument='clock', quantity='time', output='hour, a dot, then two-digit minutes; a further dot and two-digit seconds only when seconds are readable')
10.46
